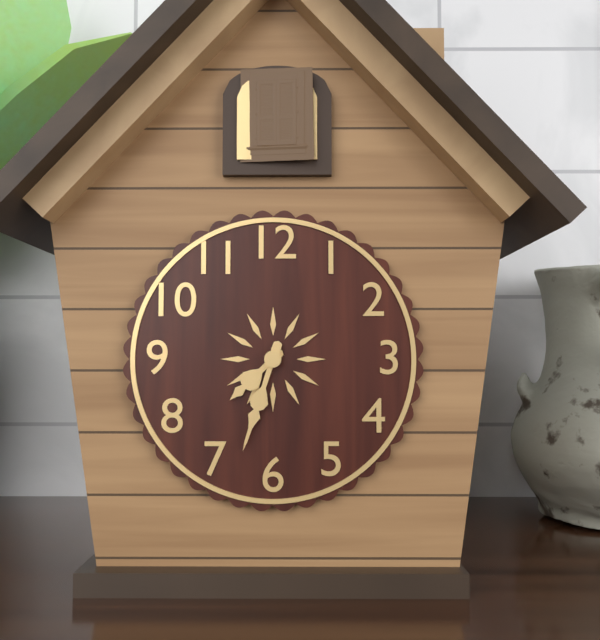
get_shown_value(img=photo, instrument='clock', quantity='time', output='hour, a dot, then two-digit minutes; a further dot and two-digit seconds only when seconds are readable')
7.33
